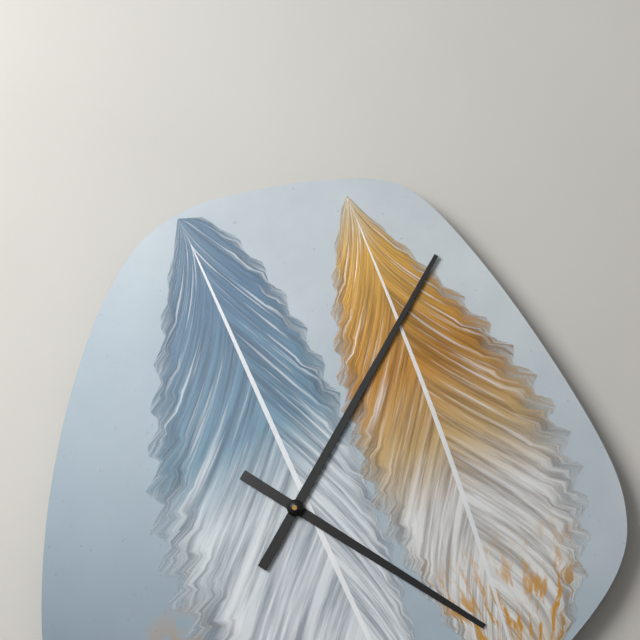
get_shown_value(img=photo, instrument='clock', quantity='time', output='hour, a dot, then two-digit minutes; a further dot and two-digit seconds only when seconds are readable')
4.05
